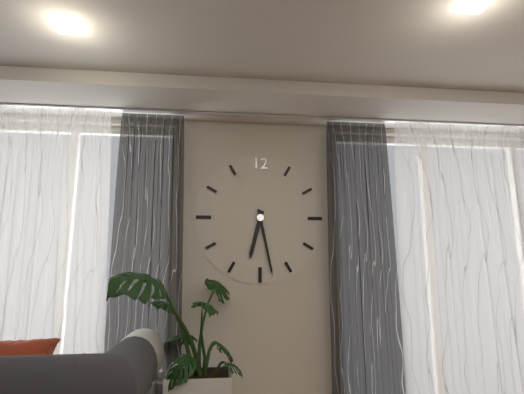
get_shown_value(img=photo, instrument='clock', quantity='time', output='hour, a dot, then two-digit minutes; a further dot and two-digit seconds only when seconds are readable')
6.28
